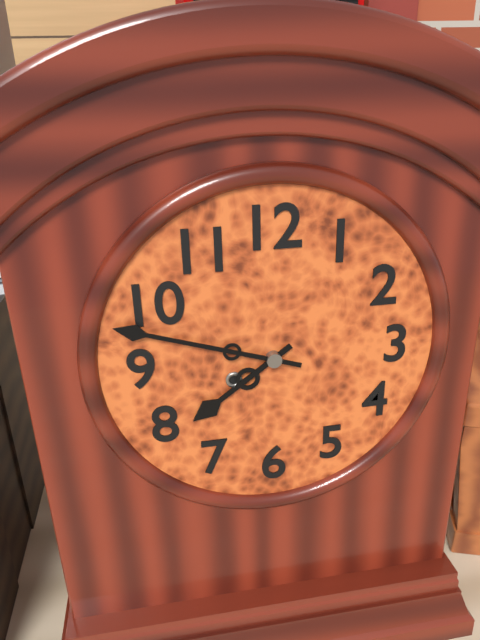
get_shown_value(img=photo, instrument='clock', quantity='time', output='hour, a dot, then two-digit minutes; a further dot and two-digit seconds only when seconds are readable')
7.48
